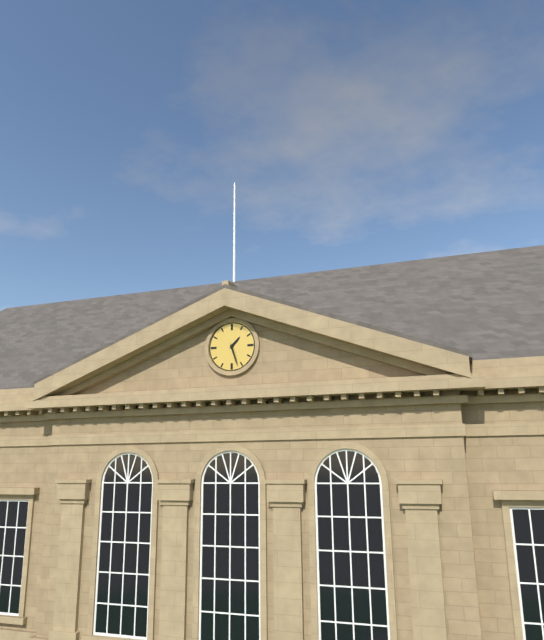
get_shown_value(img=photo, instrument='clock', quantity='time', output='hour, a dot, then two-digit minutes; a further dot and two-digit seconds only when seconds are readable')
1.27
